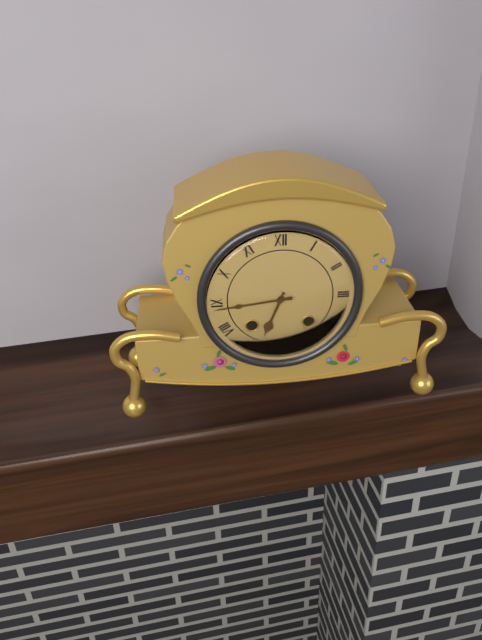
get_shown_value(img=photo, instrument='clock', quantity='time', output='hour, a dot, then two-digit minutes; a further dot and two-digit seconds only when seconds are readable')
6.44
